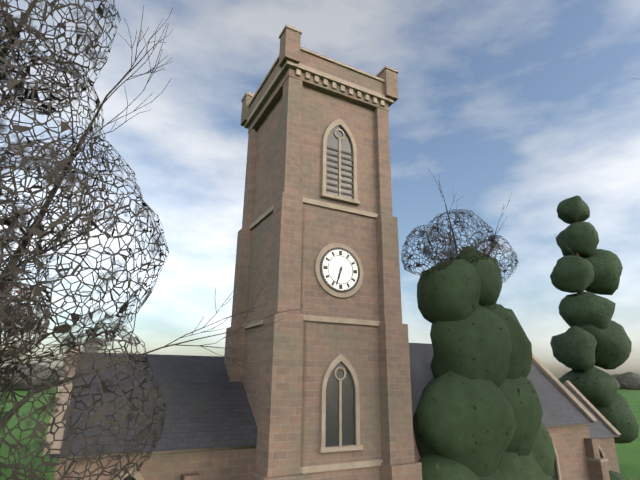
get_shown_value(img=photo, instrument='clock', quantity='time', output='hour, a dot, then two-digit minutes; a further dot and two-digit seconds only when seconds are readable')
6.33
